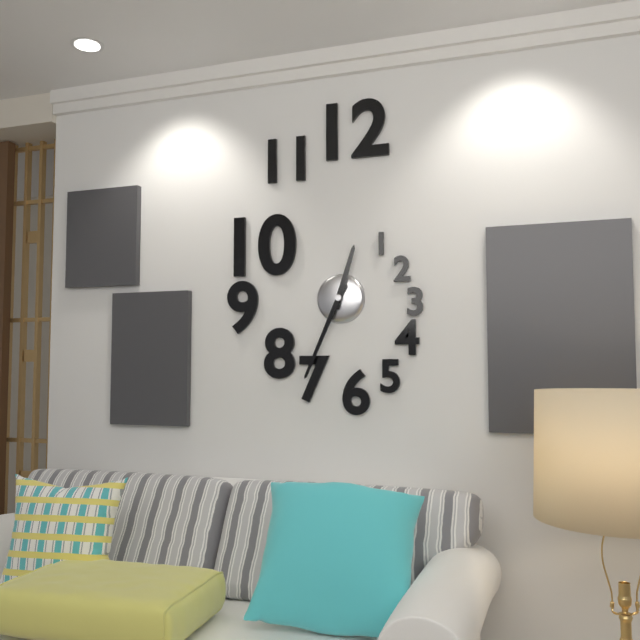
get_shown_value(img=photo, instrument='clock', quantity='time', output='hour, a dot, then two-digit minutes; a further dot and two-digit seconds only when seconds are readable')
12.34
